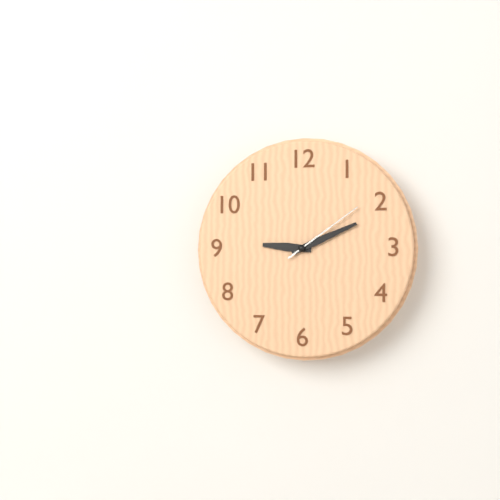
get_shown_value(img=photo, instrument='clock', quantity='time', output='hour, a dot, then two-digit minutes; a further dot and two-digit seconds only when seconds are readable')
9.11.09
